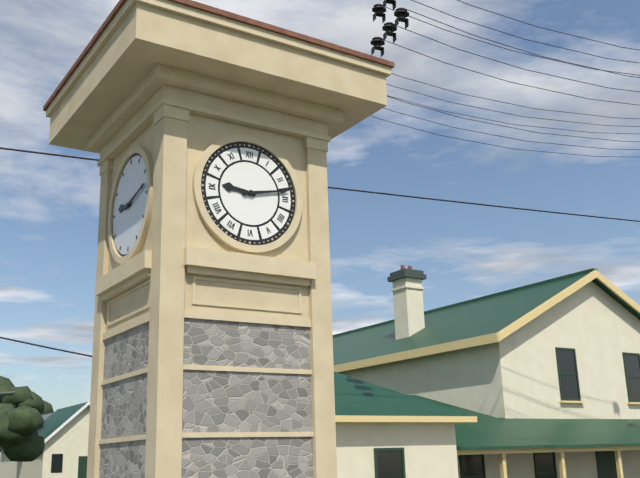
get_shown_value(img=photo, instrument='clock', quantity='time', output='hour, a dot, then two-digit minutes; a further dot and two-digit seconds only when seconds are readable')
9.13
